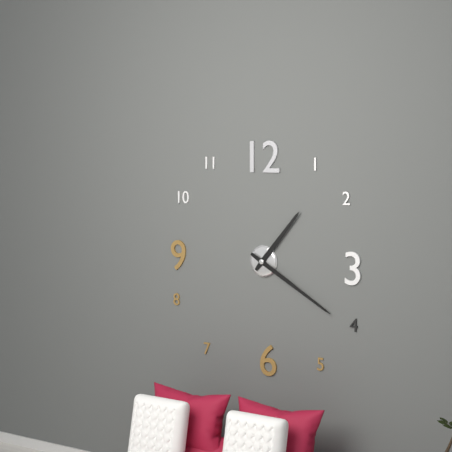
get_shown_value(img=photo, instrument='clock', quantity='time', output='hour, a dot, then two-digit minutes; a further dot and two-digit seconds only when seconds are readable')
1.20
